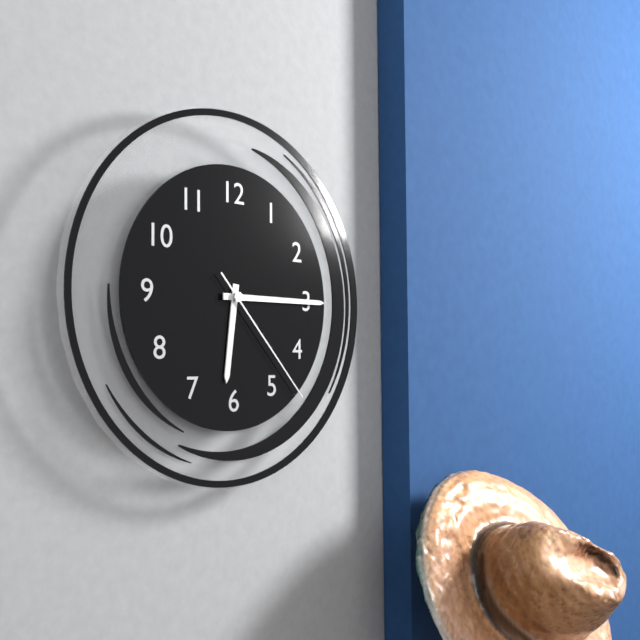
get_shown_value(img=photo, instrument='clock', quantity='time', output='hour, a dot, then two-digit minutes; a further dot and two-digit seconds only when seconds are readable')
6.15.23
